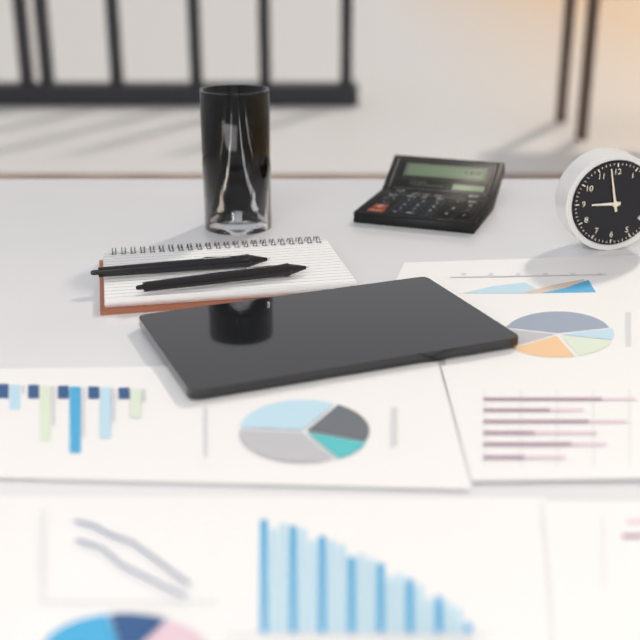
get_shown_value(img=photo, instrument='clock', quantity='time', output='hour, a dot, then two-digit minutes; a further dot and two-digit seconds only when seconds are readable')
8.58
